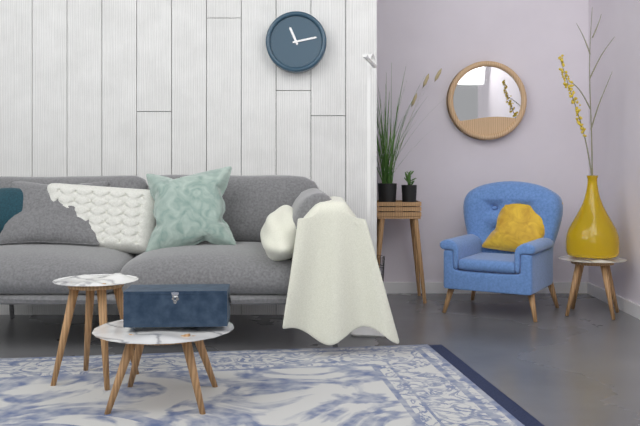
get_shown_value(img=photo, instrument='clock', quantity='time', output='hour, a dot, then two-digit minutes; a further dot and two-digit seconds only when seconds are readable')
11.13
